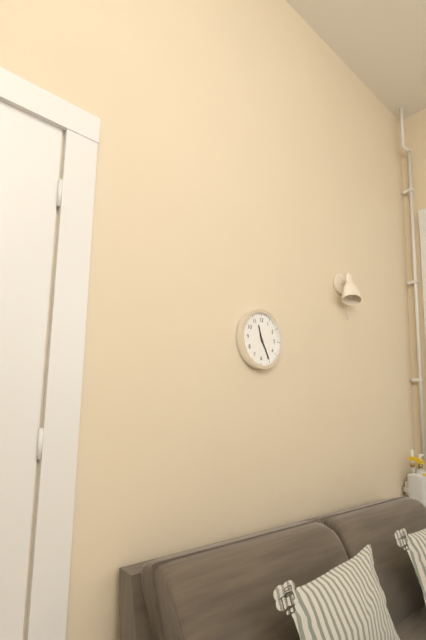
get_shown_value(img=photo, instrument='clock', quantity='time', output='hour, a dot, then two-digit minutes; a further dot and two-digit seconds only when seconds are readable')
11.25
